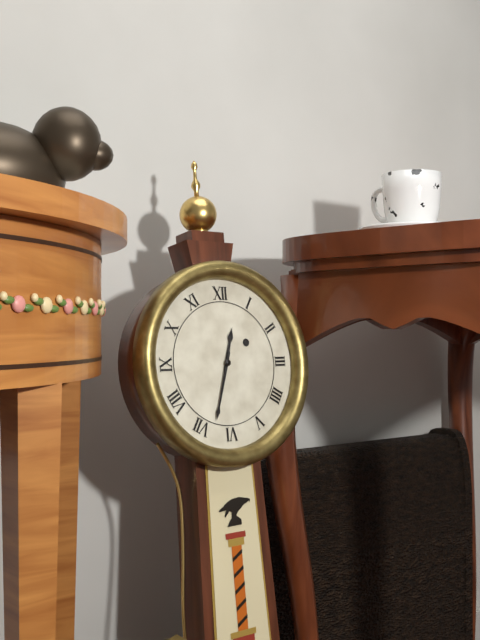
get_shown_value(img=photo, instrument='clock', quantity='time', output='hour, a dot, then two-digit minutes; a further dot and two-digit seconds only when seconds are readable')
12.33
